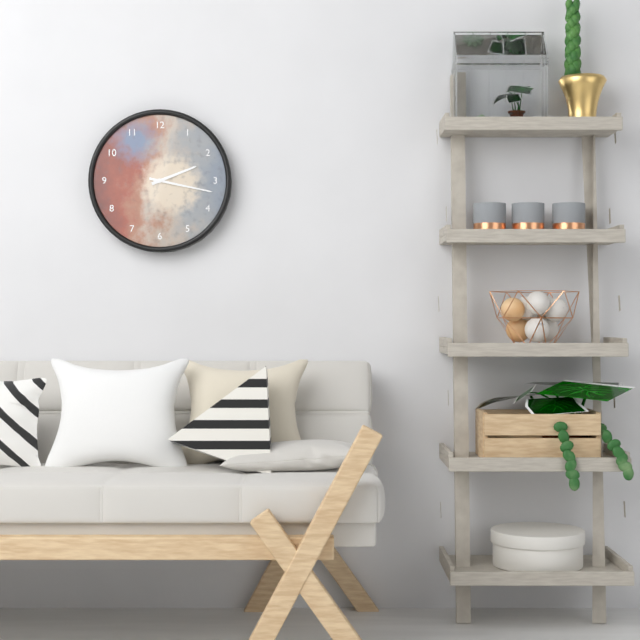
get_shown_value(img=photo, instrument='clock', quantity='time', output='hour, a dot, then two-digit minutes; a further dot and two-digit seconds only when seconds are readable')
2.17
